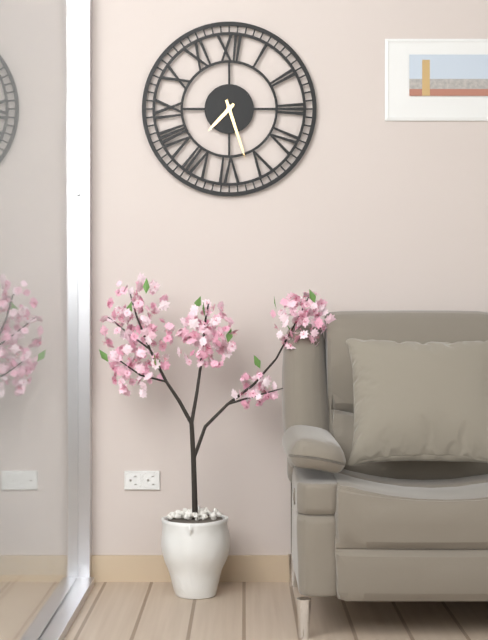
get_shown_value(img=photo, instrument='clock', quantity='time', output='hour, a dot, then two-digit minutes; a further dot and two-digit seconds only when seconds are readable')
7.27
